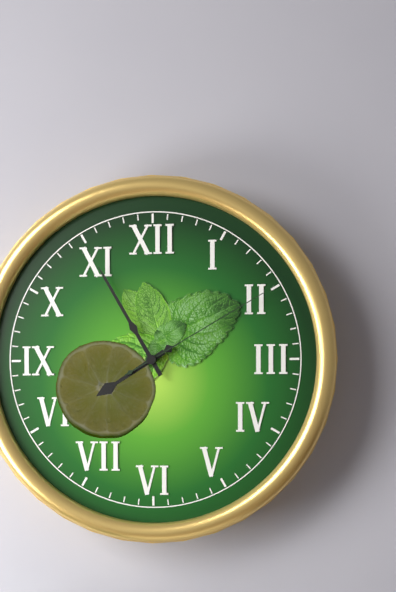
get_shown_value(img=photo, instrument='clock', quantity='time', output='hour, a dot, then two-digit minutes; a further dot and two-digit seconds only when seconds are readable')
7.55.10
